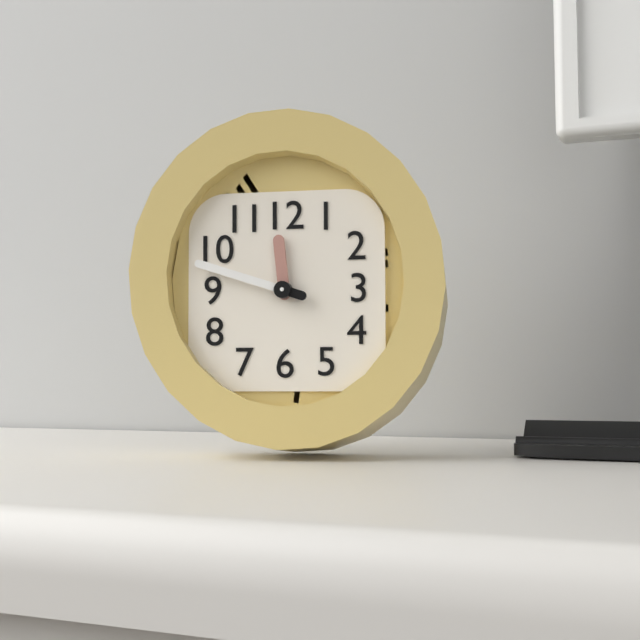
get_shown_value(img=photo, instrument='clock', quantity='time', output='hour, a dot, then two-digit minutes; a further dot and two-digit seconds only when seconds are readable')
11.48
